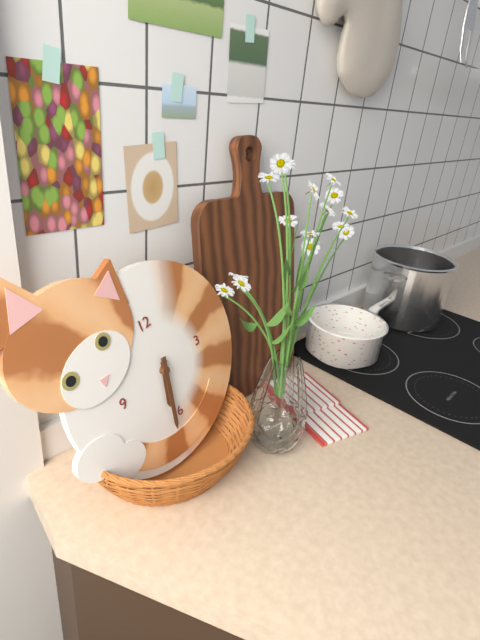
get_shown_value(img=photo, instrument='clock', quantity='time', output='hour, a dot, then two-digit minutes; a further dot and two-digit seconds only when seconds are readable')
6.32
